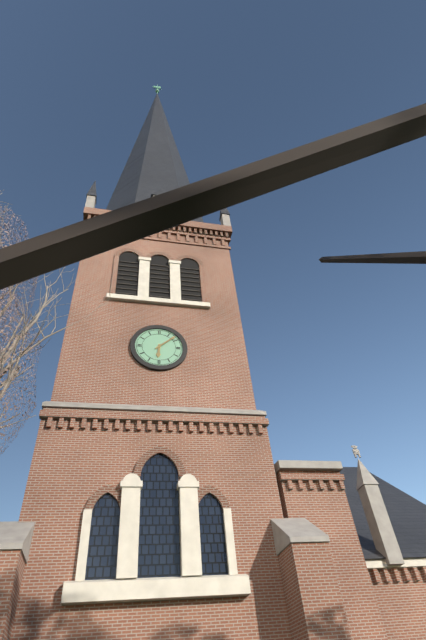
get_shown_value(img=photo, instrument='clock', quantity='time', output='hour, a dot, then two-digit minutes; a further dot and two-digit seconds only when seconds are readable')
6.08
